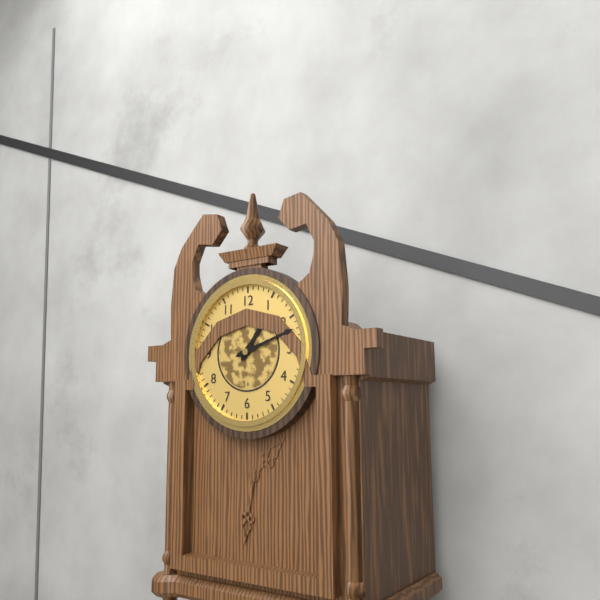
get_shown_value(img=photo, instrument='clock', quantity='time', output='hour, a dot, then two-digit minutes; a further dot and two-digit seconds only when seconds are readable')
1.12
